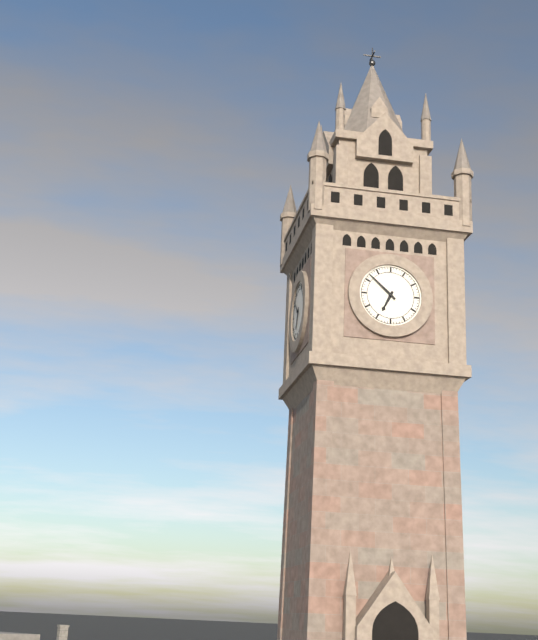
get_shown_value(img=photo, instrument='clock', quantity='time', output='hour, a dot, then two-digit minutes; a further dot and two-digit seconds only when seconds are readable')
6.52
